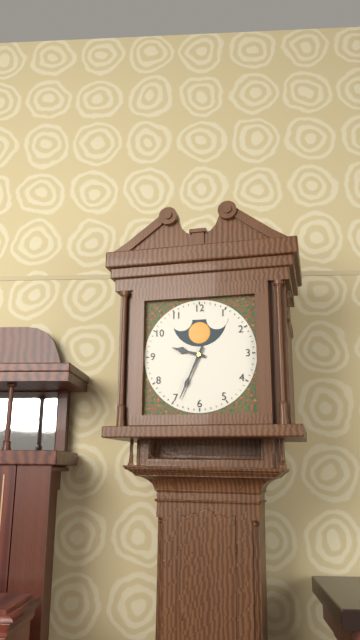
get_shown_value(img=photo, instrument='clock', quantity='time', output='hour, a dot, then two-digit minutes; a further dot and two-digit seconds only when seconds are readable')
9.34
